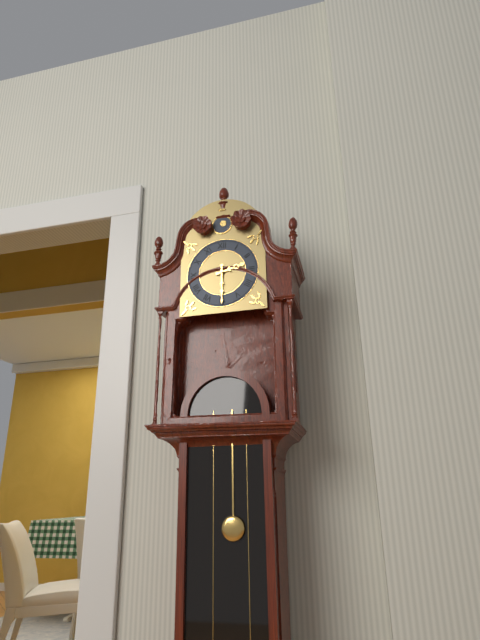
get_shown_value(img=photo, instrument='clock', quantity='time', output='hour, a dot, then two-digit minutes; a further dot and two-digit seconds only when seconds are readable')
2.30
